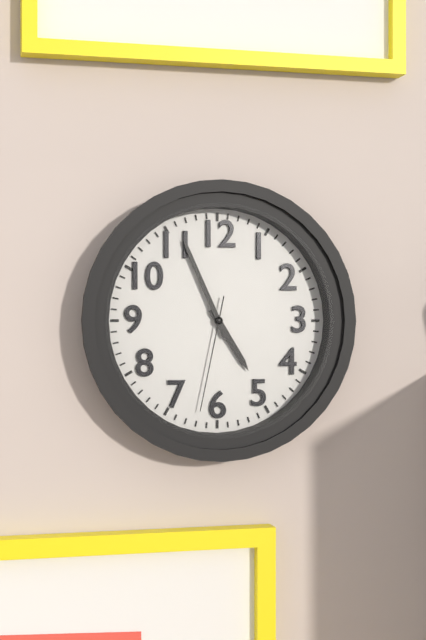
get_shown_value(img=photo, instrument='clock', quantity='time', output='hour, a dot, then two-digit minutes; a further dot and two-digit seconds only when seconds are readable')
4.56.32
